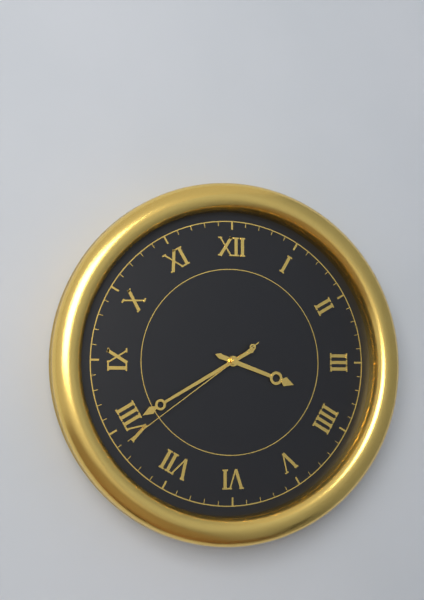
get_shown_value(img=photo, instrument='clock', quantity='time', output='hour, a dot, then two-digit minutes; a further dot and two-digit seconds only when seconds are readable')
3.40.39
